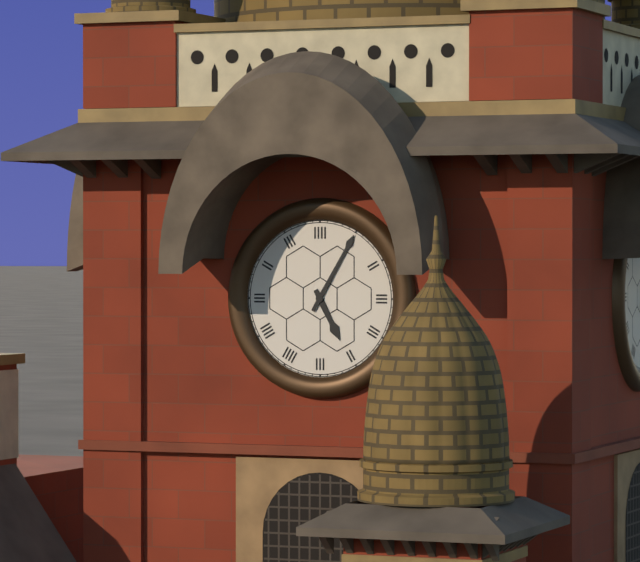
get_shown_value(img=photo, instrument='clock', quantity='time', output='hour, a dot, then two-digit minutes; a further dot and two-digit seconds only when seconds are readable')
5.05
